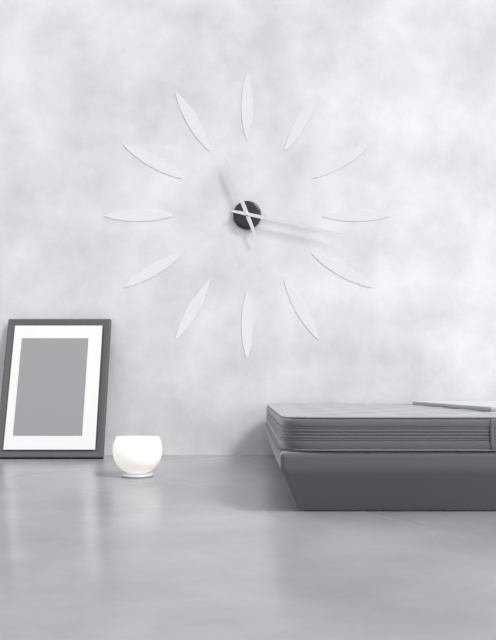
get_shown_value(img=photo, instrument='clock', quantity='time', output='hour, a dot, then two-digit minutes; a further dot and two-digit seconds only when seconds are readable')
11.17
